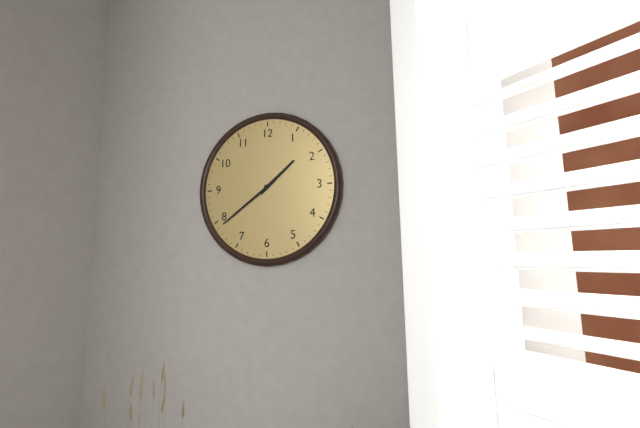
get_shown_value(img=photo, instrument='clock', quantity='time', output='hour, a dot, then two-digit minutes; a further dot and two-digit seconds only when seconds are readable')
1.39
